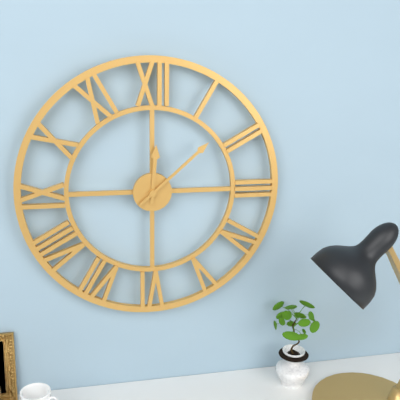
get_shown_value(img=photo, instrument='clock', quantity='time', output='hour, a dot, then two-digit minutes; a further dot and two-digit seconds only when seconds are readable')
12.08
